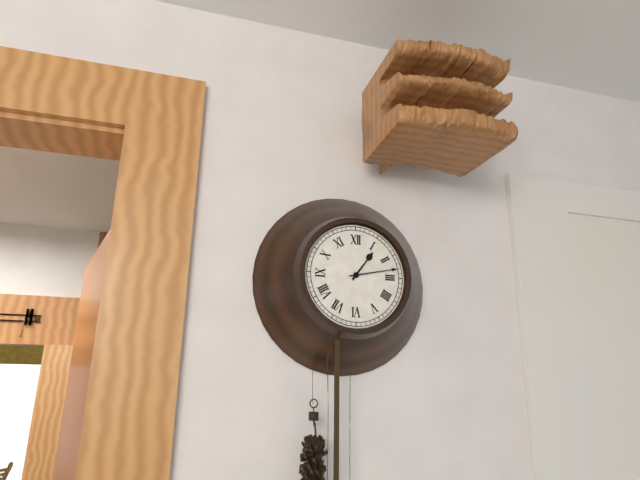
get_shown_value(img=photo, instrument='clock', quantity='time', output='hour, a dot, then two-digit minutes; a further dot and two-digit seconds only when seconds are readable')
1.13
